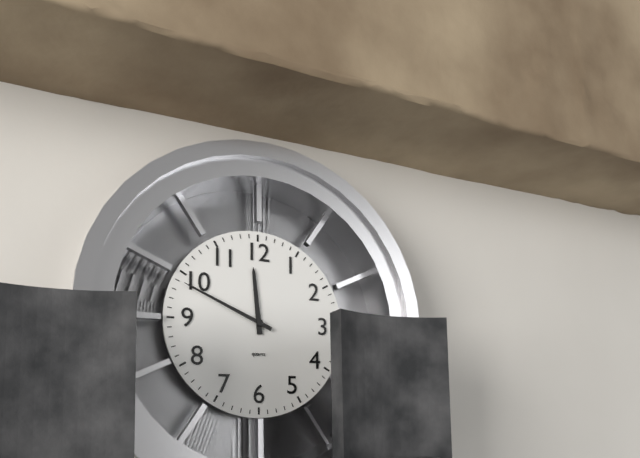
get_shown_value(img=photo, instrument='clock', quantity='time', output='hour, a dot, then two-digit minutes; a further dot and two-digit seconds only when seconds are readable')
11.49
